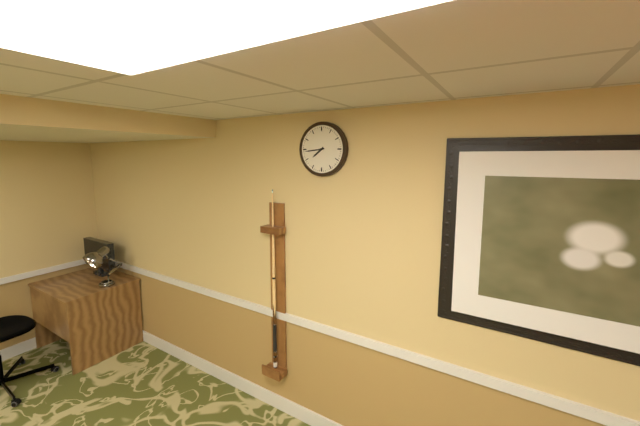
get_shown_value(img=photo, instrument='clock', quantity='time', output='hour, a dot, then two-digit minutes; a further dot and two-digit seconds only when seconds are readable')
7.44
